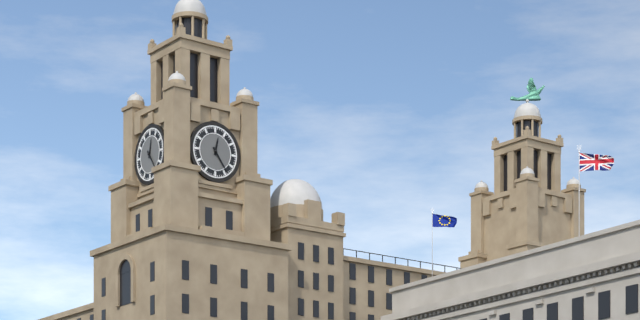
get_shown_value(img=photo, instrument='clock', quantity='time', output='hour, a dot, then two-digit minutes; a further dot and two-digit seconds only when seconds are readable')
12.24
